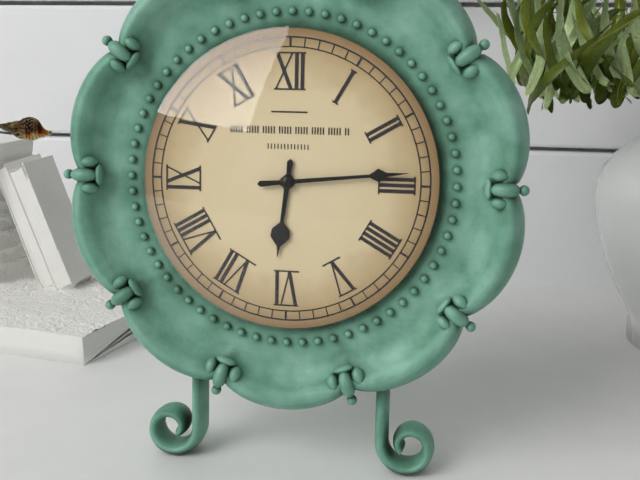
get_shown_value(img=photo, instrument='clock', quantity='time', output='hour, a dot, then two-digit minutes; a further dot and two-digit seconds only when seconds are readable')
6.14
